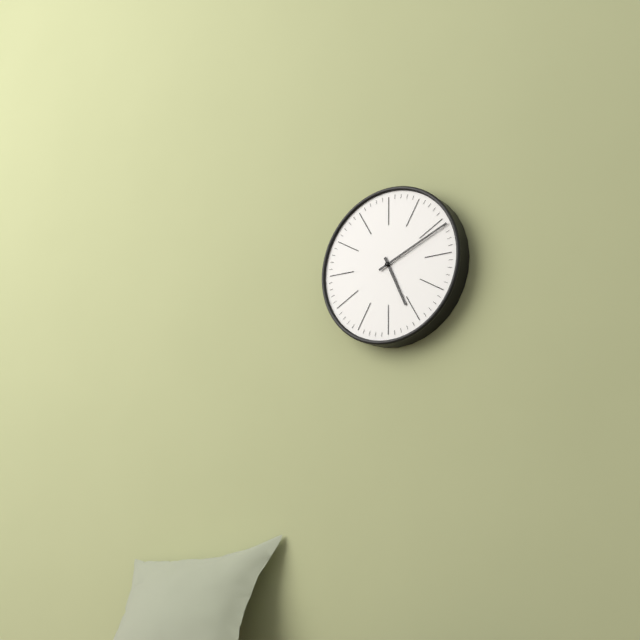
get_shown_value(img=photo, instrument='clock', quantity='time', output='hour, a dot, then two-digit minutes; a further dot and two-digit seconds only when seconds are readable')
5.11
